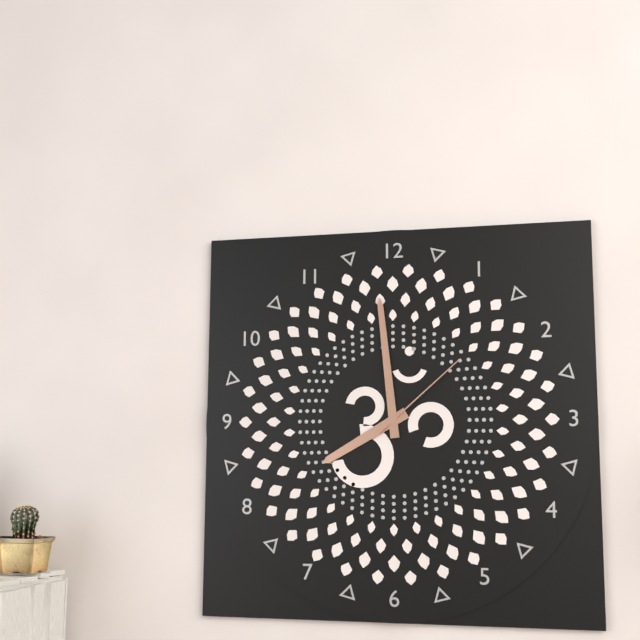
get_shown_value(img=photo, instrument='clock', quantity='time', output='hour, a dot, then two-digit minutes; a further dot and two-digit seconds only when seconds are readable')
7.59.08
